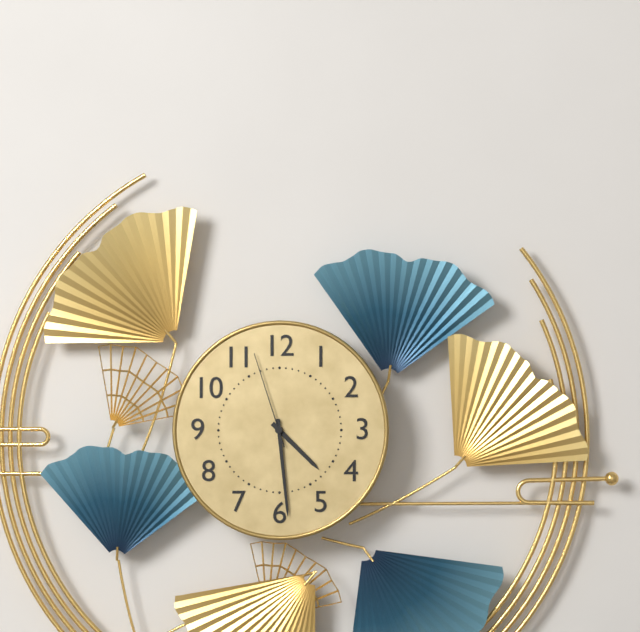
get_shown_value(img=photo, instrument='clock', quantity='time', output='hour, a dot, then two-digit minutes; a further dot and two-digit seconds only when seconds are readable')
4.29.57
